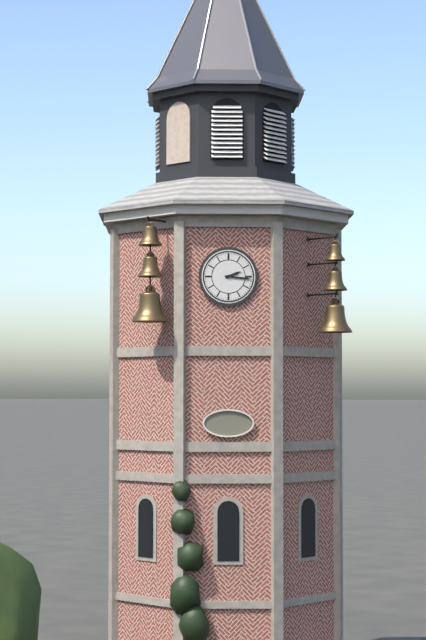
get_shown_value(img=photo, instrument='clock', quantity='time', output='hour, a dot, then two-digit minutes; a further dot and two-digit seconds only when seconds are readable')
2.16
